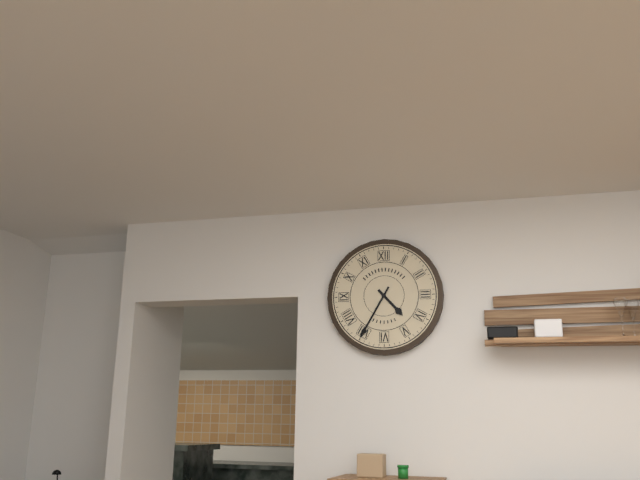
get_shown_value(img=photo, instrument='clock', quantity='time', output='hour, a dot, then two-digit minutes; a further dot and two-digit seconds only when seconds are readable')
4.35
